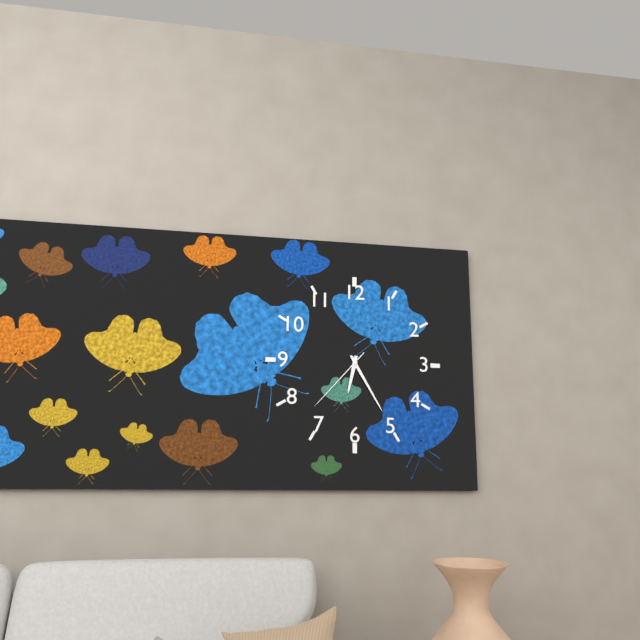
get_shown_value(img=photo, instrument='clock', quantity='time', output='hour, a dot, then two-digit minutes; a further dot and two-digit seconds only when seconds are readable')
6.25.37
